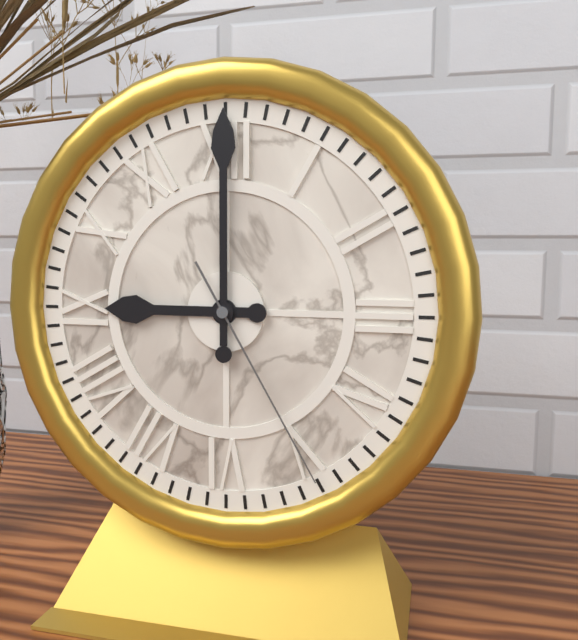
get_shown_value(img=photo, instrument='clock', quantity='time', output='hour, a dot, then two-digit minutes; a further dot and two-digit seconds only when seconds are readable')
9.00.25
